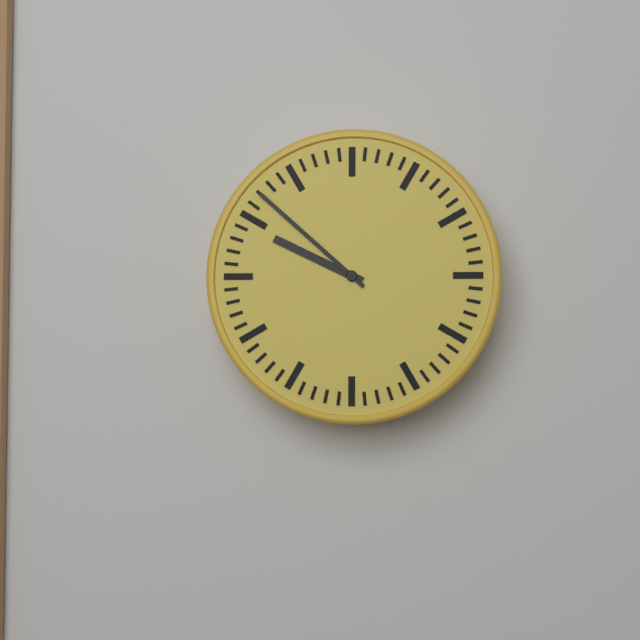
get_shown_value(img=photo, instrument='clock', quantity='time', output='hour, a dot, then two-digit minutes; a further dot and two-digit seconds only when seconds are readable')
9.52
